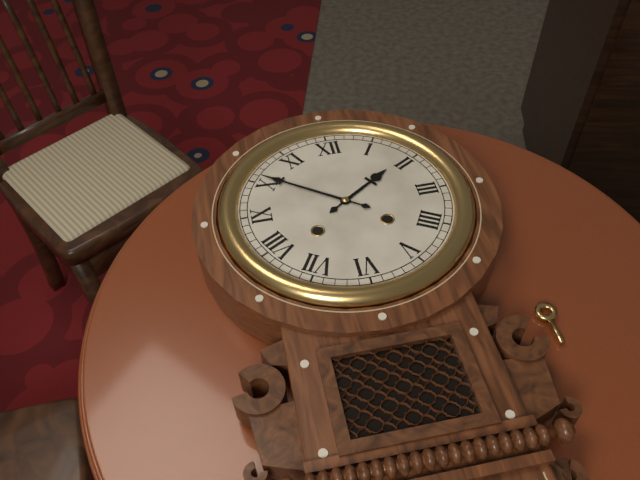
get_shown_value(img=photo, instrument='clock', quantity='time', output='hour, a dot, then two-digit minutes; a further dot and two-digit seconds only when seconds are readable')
1.51
